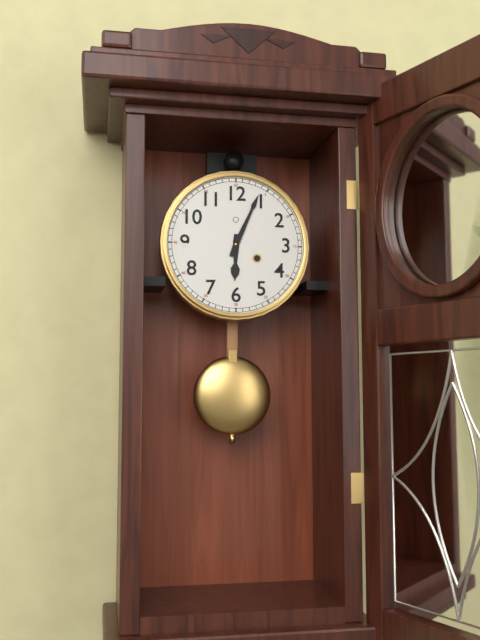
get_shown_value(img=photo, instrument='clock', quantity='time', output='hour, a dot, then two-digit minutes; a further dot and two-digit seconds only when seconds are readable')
6.04
